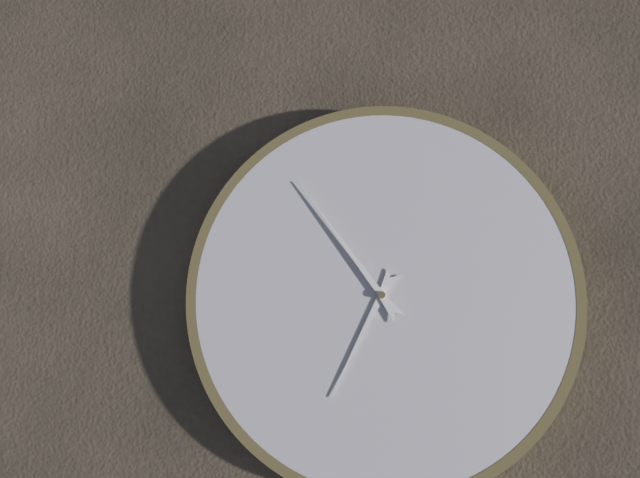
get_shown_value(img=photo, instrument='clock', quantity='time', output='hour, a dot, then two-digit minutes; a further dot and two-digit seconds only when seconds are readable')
6.54
